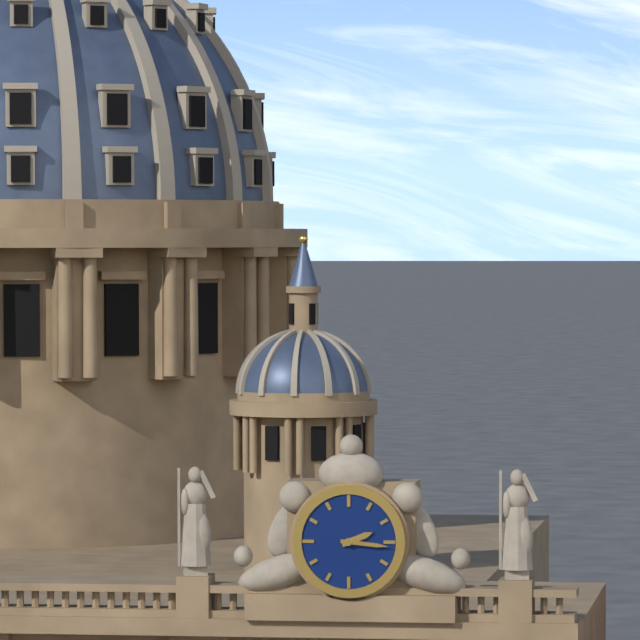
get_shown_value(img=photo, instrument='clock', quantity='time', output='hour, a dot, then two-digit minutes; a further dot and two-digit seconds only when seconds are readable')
2.16
